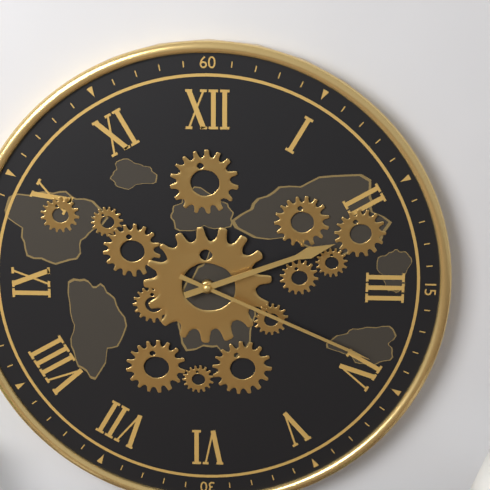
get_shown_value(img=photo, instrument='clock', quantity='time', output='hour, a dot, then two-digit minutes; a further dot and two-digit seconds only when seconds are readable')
2.19
